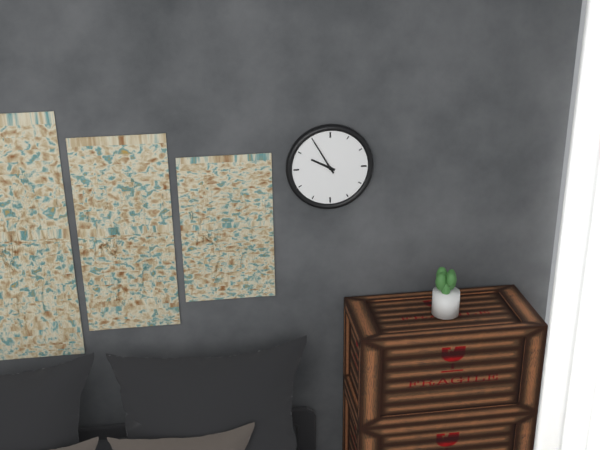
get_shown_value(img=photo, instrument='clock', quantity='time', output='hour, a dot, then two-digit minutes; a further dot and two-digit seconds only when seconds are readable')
9.55
